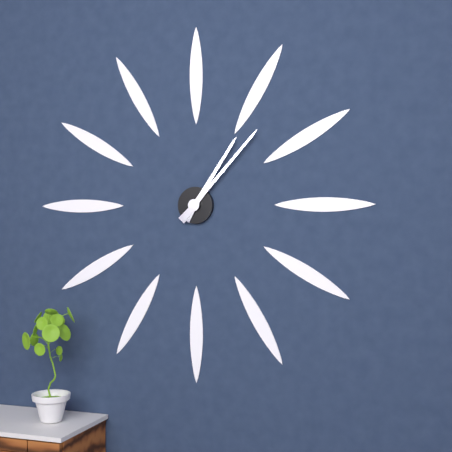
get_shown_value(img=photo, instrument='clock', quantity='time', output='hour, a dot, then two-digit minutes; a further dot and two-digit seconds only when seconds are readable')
1.07
